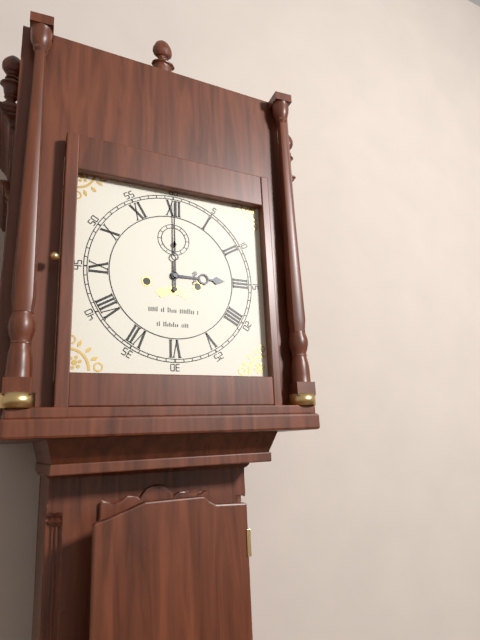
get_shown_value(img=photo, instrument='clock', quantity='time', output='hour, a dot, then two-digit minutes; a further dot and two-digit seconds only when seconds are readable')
3.00
